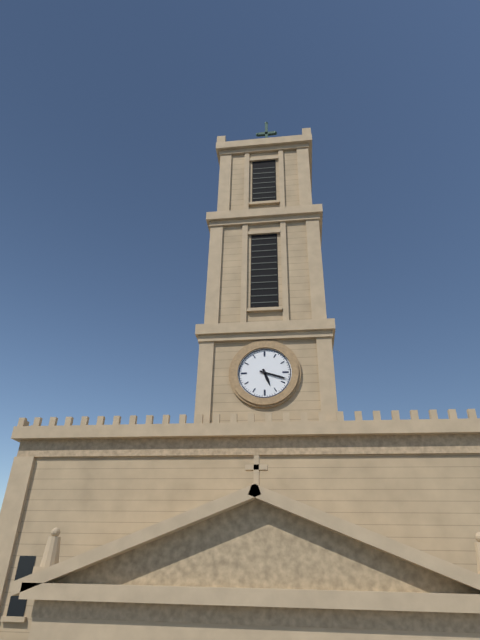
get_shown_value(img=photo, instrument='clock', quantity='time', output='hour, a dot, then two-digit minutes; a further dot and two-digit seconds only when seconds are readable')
5.18
